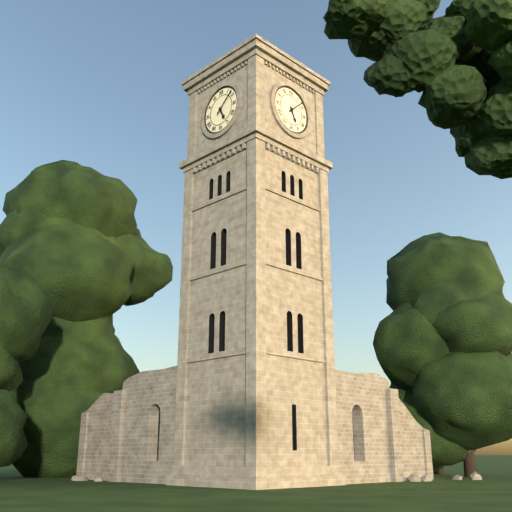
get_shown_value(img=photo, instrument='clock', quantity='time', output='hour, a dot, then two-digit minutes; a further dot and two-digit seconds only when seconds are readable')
5.08
